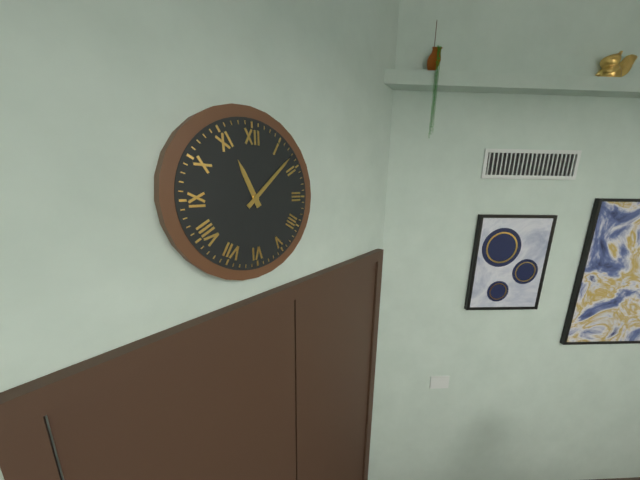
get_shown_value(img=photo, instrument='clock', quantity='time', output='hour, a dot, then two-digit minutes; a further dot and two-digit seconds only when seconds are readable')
11.08
